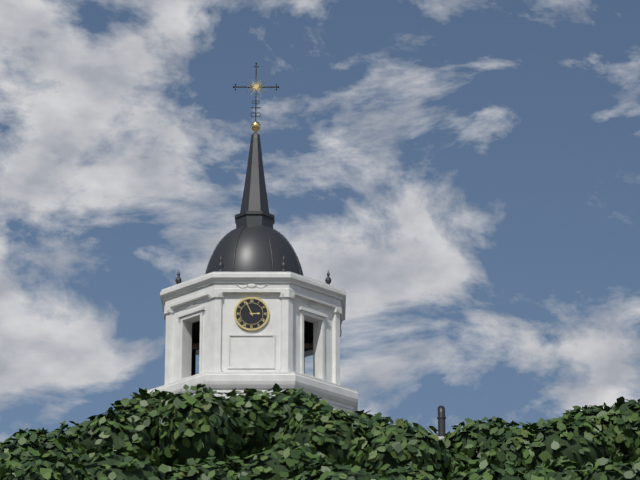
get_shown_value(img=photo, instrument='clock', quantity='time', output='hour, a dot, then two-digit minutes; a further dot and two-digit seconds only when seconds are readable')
2.56
